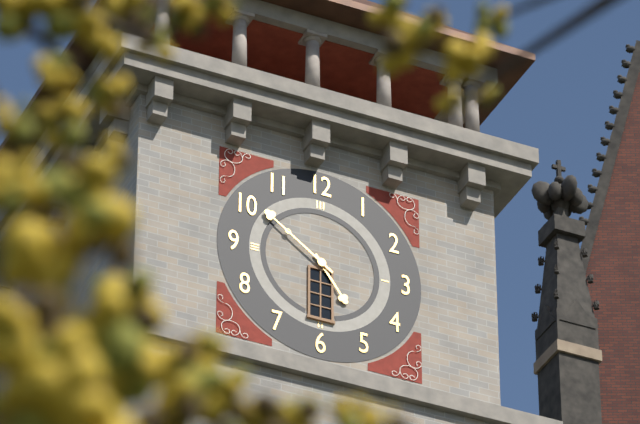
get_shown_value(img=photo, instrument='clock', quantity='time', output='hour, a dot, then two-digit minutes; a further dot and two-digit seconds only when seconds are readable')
4.51
